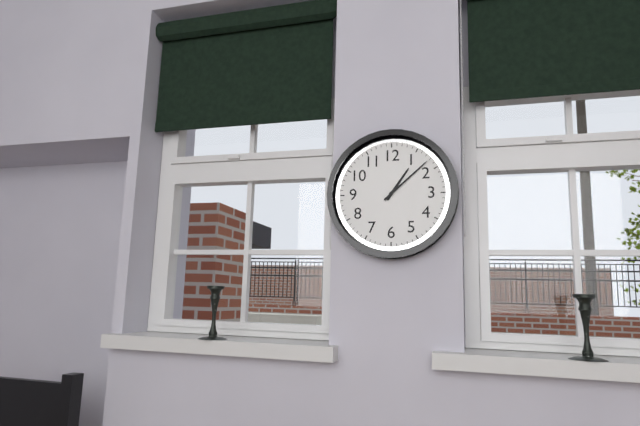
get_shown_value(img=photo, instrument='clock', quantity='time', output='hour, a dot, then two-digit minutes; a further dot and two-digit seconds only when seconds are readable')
1.08
